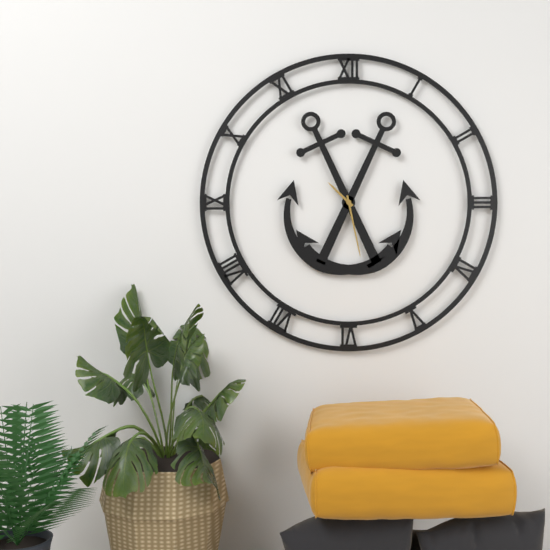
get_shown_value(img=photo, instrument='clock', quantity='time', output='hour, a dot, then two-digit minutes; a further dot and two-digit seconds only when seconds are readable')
10.28
